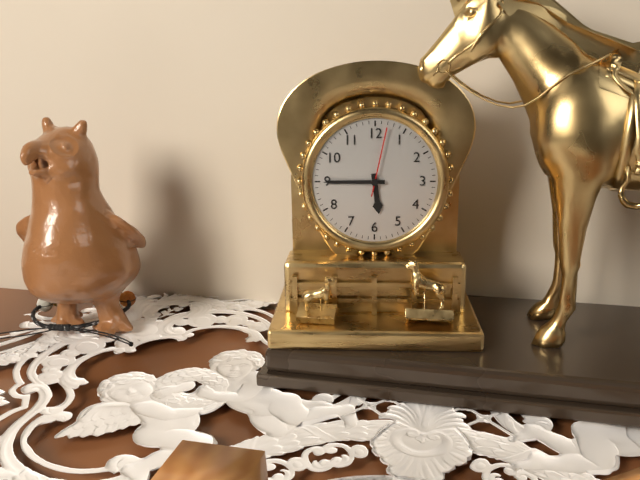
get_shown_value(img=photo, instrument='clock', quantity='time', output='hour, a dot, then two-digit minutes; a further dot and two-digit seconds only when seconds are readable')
5.45.02
